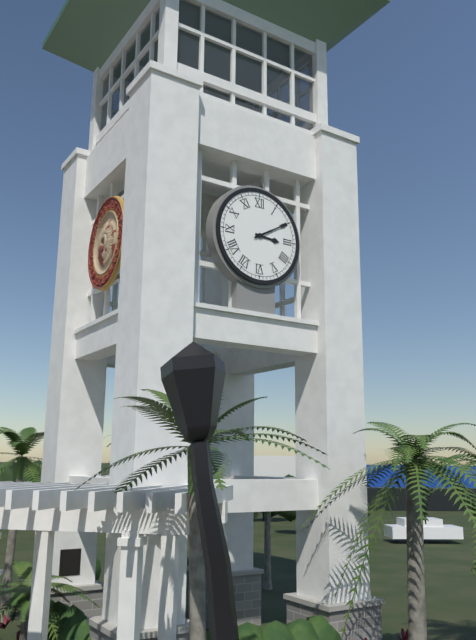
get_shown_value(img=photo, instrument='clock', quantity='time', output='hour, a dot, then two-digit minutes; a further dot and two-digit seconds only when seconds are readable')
3.10
